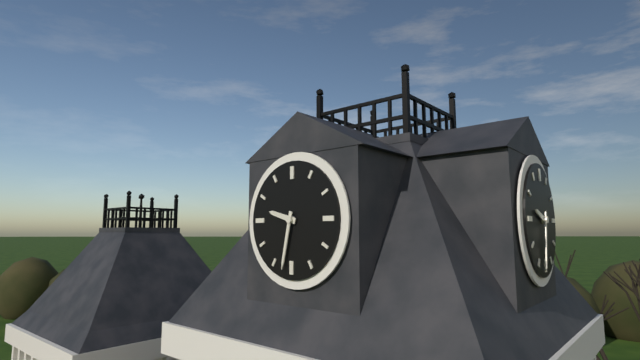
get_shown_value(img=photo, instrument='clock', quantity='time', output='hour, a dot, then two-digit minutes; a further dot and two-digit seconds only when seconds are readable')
9.32
